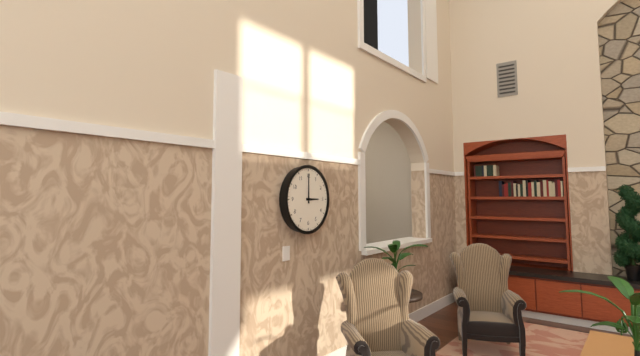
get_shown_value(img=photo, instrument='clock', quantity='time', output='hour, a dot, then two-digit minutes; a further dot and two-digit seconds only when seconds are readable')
3.00
